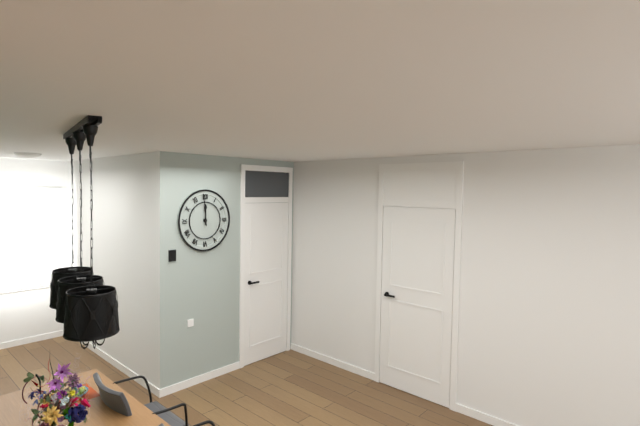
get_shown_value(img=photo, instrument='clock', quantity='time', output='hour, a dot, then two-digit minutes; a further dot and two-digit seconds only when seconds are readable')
11.59
